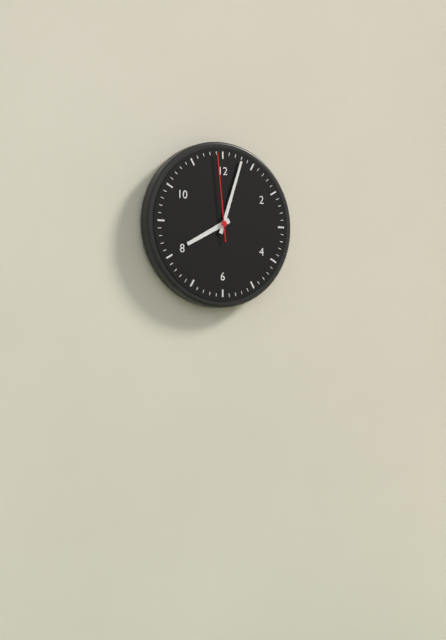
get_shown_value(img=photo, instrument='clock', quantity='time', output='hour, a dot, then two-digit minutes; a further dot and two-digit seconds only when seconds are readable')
8.03.59
